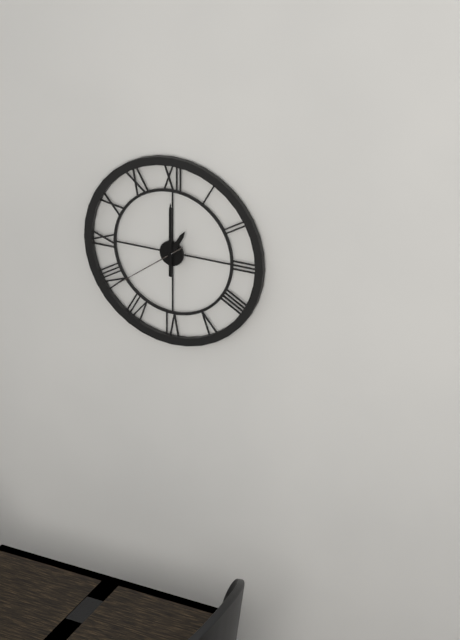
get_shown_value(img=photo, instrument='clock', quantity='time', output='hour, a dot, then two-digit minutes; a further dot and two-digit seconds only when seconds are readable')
1.00.39
